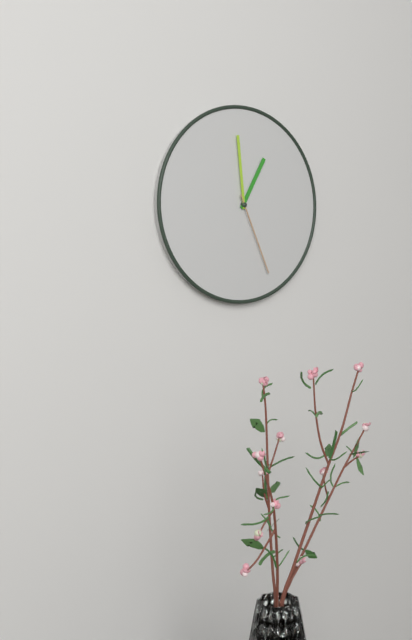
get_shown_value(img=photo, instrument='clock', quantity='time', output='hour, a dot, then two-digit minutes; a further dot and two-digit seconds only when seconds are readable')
12.59.26
